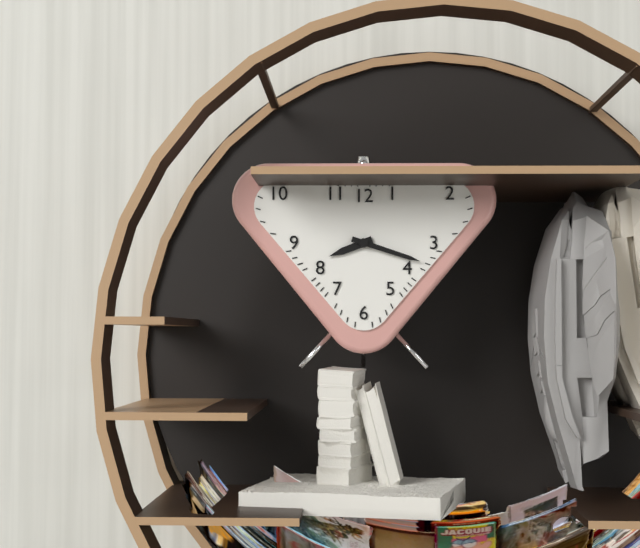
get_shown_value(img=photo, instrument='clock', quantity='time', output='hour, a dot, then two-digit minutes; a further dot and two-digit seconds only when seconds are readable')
8.18
